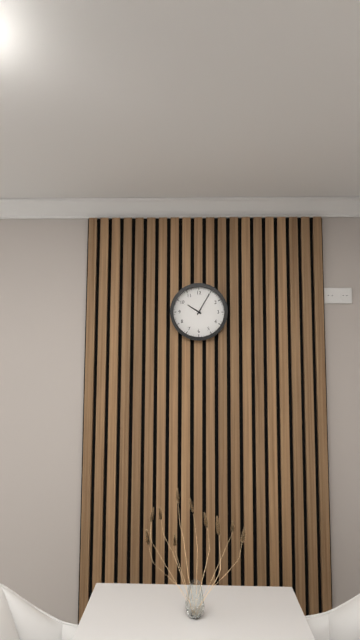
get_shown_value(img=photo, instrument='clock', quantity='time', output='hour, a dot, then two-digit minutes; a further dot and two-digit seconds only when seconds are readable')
10.05
